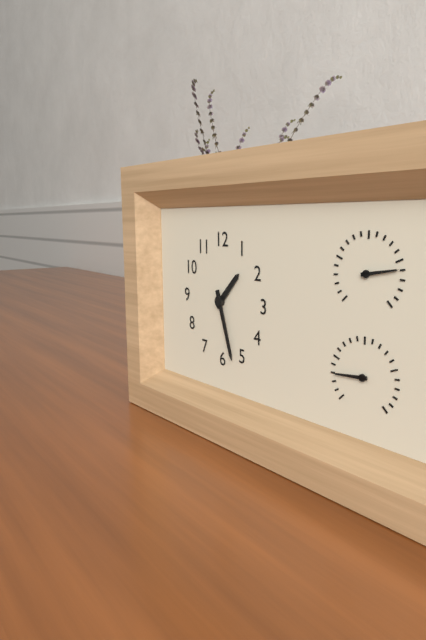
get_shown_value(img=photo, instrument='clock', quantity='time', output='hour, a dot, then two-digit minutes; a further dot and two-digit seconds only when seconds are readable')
1.27
